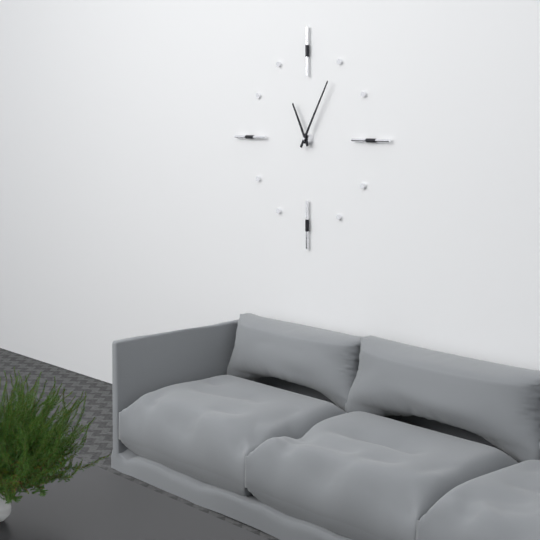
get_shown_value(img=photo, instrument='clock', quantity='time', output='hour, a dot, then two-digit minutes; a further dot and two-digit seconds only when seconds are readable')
11.05
